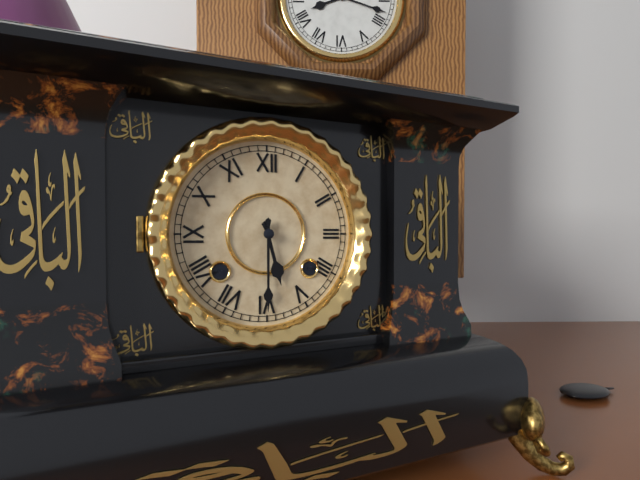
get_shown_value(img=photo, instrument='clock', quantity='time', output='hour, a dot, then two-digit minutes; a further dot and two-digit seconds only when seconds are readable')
5.30
